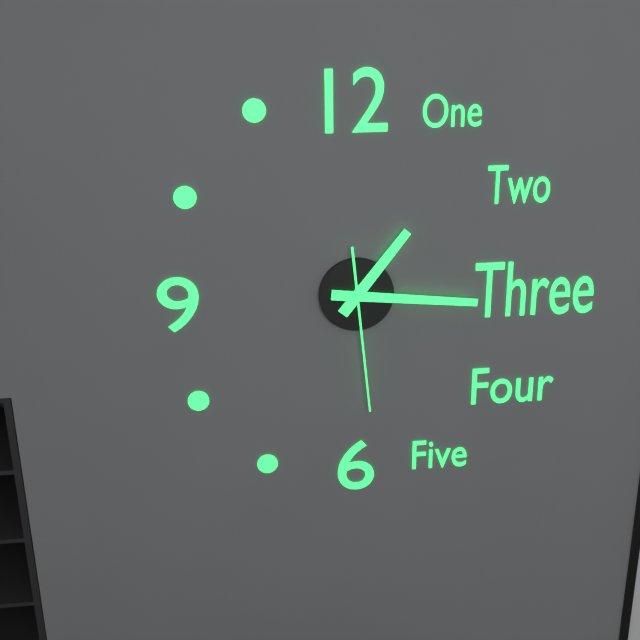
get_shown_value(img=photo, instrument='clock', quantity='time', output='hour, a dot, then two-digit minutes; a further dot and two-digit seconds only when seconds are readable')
1.16.29
